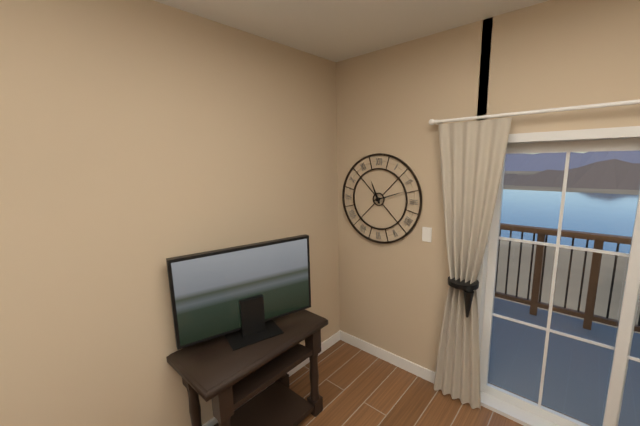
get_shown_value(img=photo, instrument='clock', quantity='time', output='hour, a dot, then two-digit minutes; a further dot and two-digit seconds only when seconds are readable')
11.12
